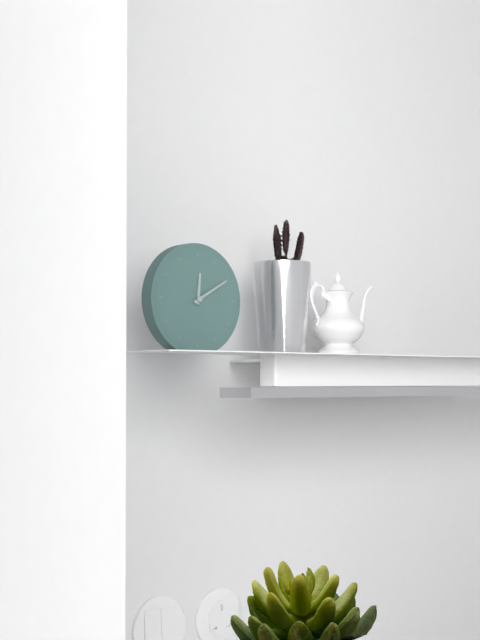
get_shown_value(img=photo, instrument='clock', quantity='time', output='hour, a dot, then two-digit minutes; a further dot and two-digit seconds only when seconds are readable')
12.10
